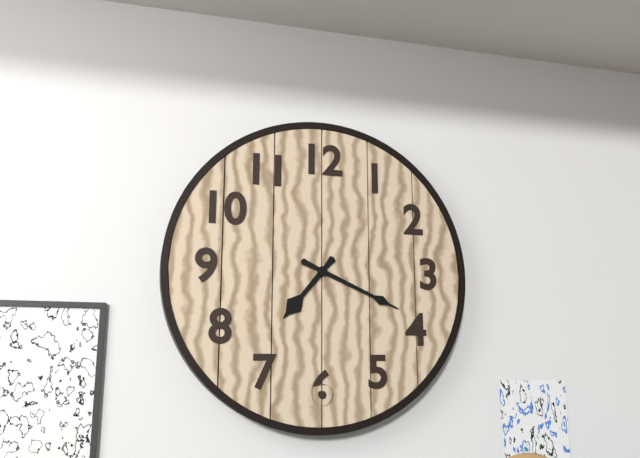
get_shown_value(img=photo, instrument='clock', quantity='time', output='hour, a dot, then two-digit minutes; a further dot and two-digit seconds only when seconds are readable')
7.19
